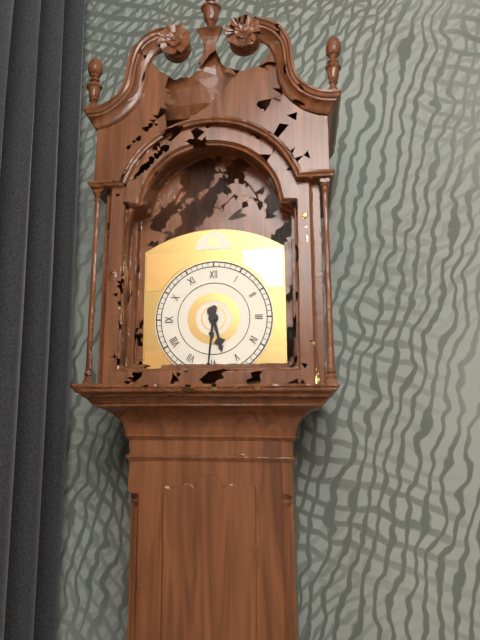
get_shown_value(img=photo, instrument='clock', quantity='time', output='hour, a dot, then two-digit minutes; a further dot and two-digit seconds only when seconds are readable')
5.31
